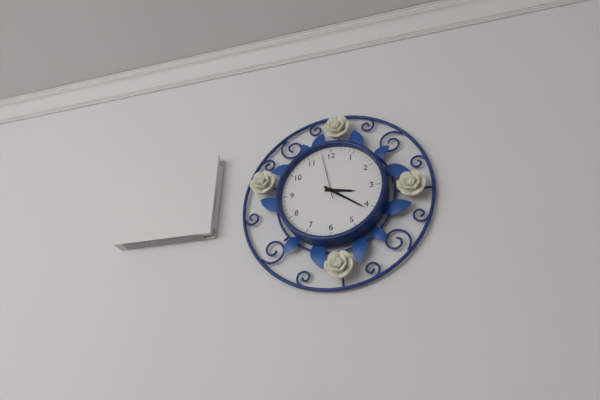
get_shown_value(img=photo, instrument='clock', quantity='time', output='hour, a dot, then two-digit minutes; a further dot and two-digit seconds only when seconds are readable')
3.21
